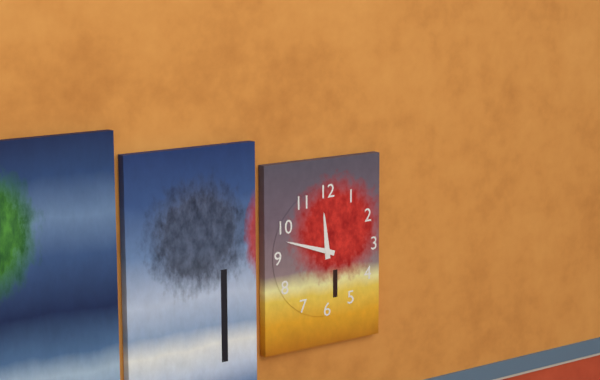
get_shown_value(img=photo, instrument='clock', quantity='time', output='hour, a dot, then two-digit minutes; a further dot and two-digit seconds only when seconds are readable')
11.48
